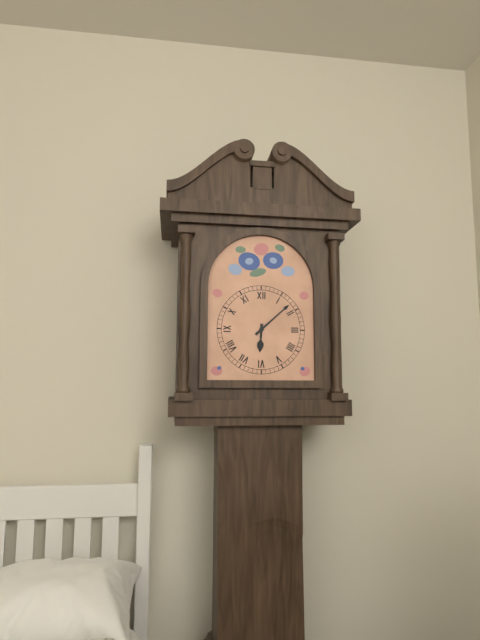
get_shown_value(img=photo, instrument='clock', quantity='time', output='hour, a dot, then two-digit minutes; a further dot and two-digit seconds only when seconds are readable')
6.08
